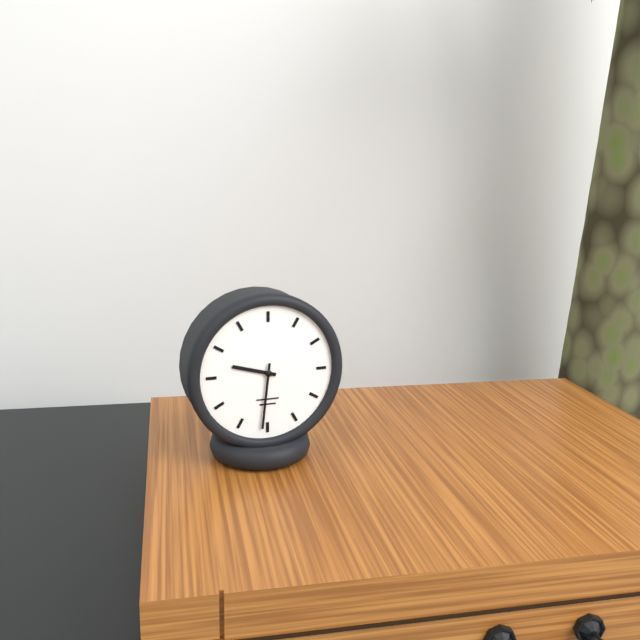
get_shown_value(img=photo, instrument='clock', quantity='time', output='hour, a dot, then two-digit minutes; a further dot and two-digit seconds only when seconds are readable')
9.31
